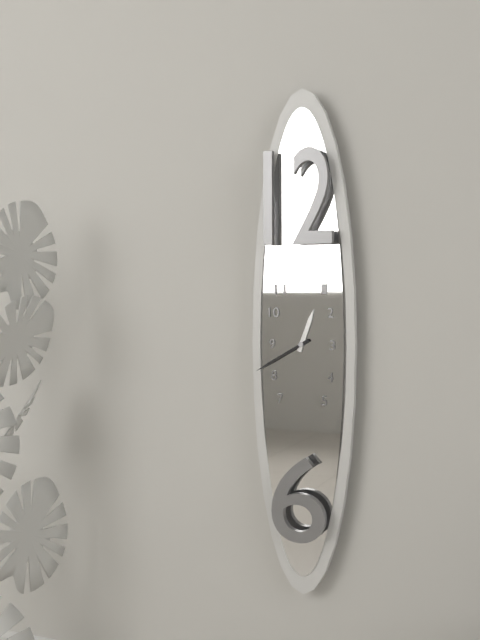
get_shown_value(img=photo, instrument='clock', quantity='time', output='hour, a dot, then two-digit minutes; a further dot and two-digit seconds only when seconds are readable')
12.40
